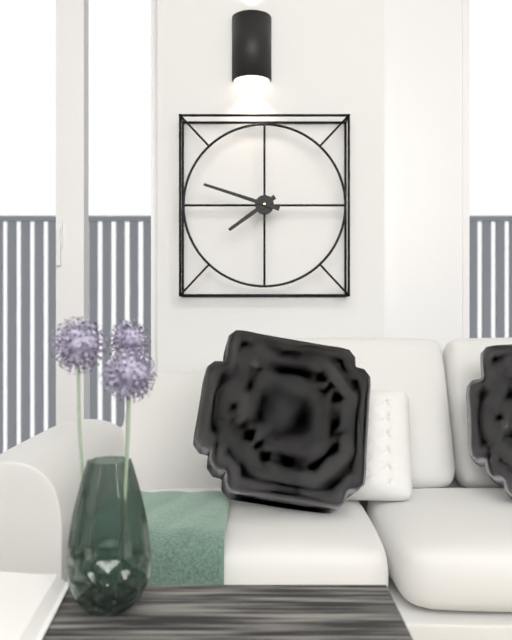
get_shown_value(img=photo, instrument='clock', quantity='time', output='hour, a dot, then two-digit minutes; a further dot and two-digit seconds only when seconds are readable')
7.48
